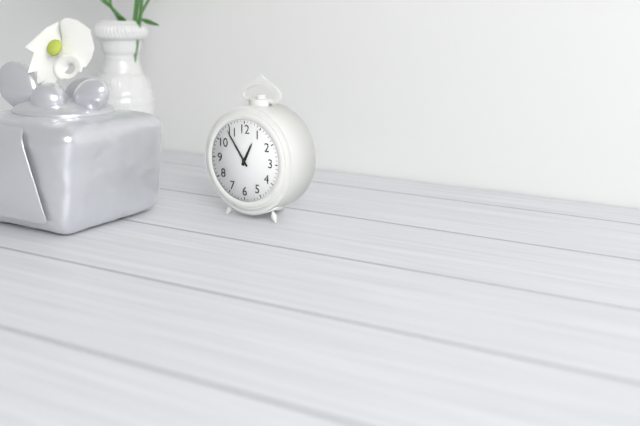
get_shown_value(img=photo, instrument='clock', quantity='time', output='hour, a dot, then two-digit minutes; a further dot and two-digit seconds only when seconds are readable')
12.54
